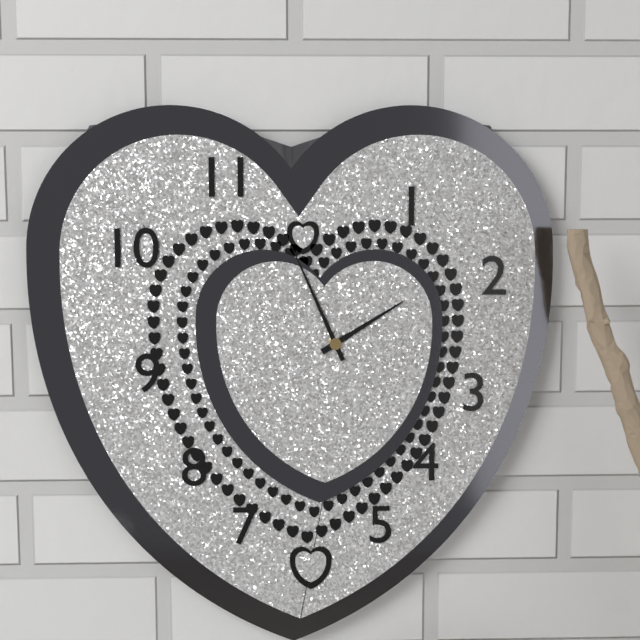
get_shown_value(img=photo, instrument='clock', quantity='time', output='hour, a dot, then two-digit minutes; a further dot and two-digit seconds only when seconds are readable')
1.56
